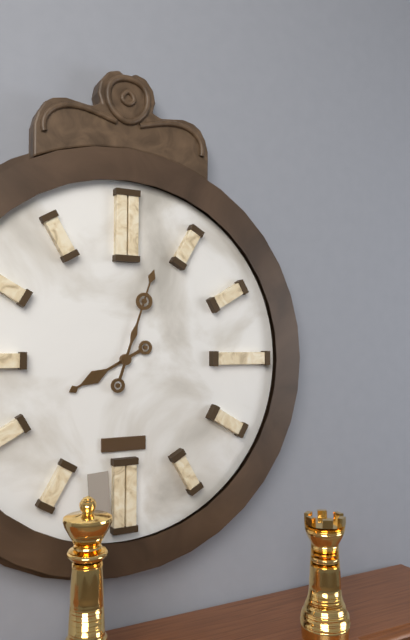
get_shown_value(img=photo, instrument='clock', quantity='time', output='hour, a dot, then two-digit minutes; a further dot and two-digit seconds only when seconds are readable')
8.03
